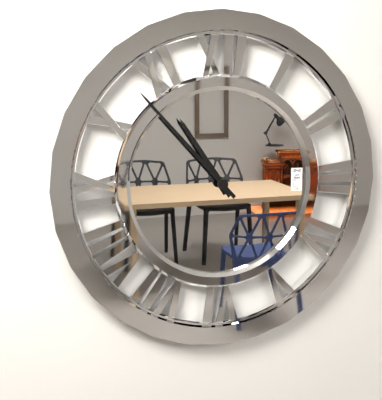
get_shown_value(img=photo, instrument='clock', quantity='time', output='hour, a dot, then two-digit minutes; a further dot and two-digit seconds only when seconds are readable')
10.53
